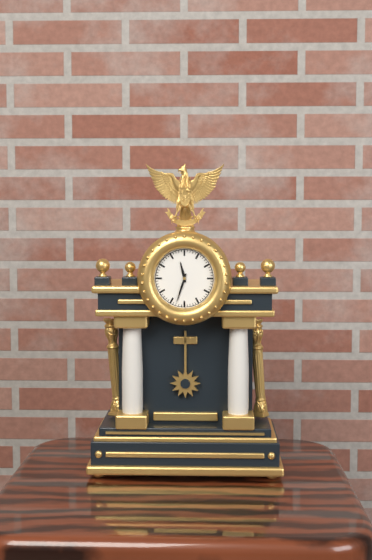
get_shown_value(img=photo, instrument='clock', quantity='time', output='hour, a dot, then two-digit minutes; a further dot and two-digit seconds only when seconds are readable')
11.33
